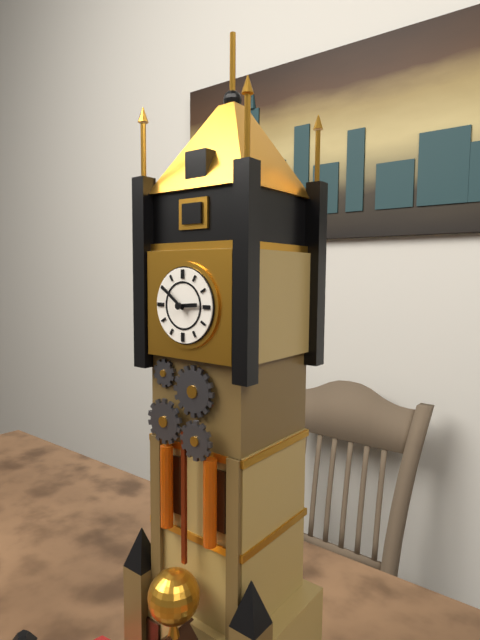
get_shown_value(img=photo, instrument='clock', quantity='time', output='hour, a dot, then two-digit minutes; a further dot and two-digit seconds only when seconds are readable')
2.51
